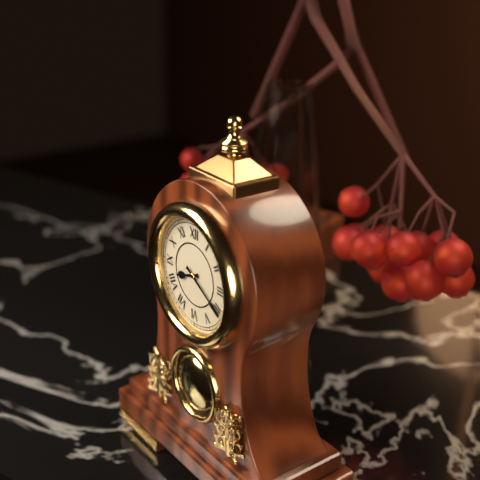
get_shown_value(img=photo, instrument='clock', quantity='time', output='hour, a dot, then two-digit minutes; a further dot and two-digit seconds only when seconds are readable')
8.20
